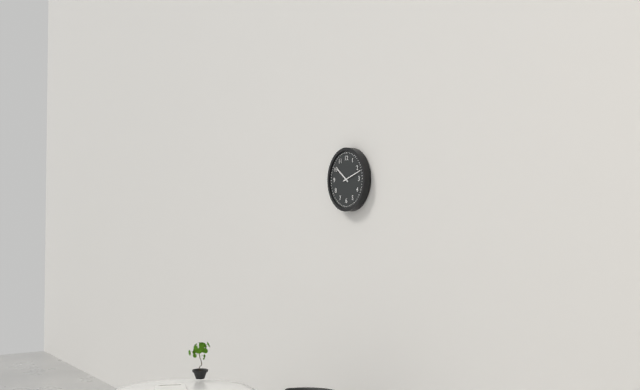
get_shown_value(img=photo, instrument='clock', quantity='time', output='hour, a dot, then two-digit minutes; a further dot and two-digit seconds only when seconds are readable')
10.12
